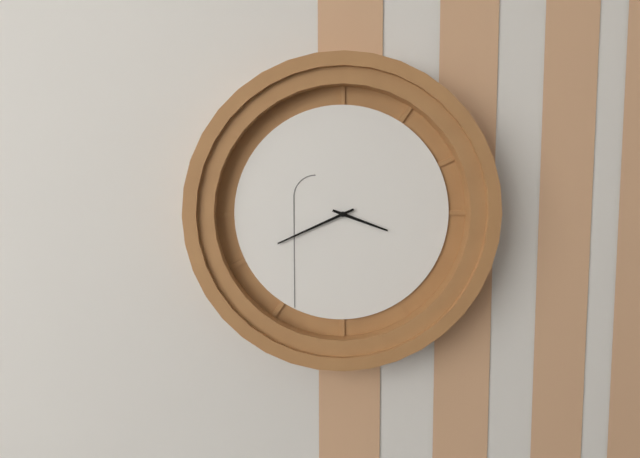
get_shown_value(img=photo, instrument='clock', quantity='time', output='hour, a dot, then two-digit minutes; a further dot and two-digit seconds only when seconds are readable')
3.41
